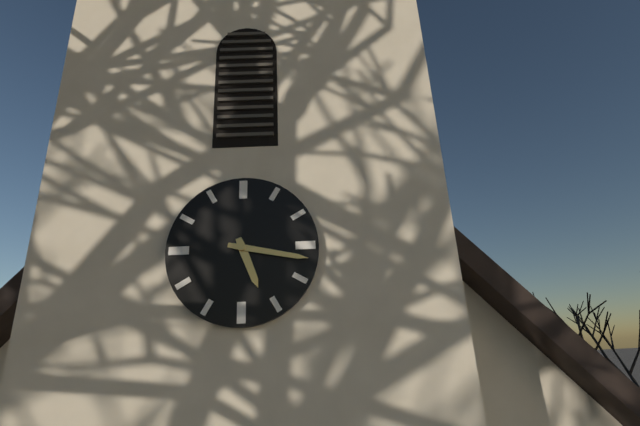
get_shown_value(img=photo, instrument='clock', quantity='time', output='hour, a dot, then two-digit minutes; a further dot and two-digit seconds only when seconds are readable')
5.17
